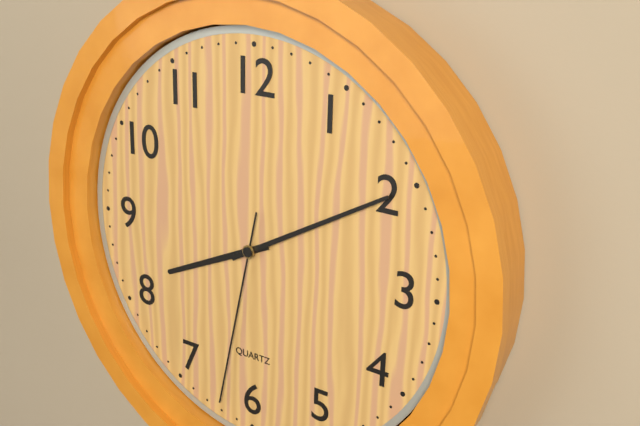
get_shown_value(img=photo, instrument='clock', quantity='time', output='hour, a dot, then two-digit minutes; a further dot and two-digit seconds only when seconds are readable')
8.10.32
